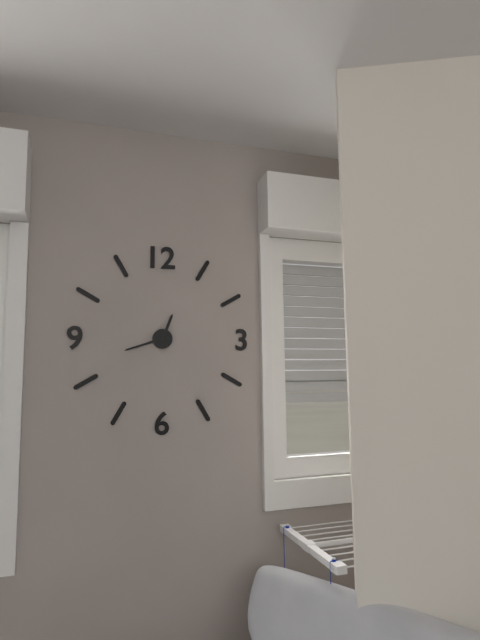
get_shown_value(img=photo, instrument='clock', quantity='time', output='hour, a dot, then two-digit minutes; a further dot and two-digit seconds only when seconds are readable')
12.42
